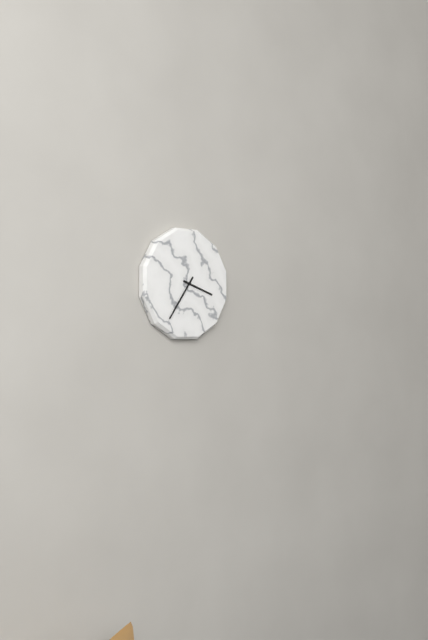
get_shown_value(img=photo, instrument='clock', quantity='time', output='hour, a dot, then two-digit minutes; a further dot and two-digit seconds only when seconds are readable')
3.36
